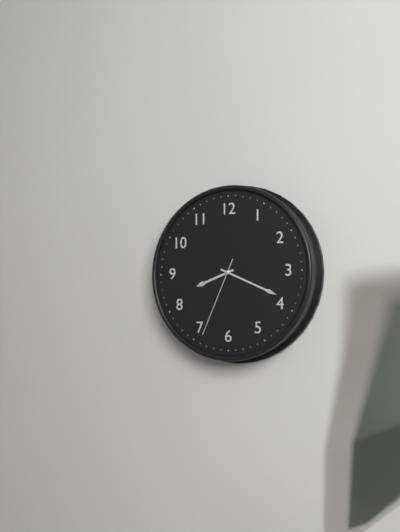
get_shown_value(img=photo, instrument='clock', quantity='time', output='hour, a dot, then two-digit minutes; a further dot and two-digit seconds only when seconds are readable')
8.19.34
